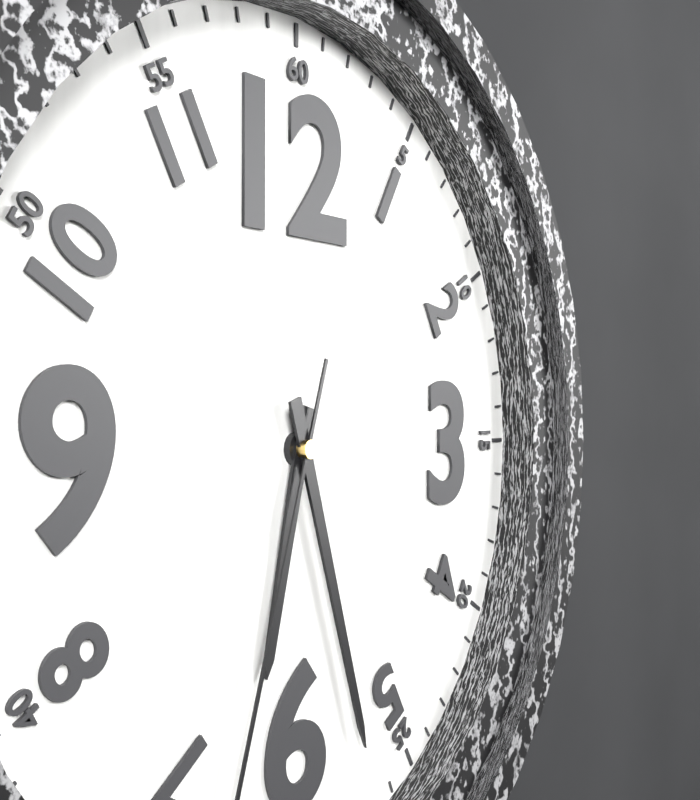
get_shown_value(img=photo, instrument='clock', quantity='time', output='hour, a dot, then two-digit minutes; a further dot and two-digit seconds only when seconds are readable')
6.27
